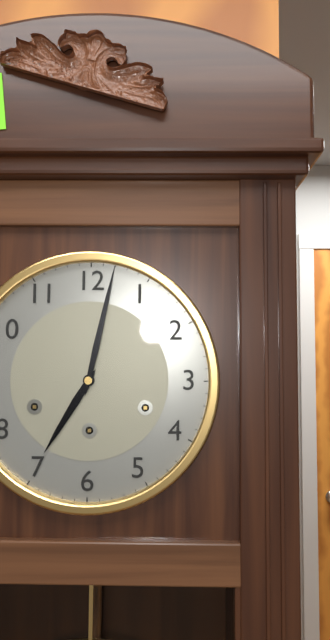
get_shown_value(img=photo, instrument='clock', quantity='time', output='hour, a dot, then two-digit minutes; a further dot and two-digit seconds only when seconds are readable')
7.02
